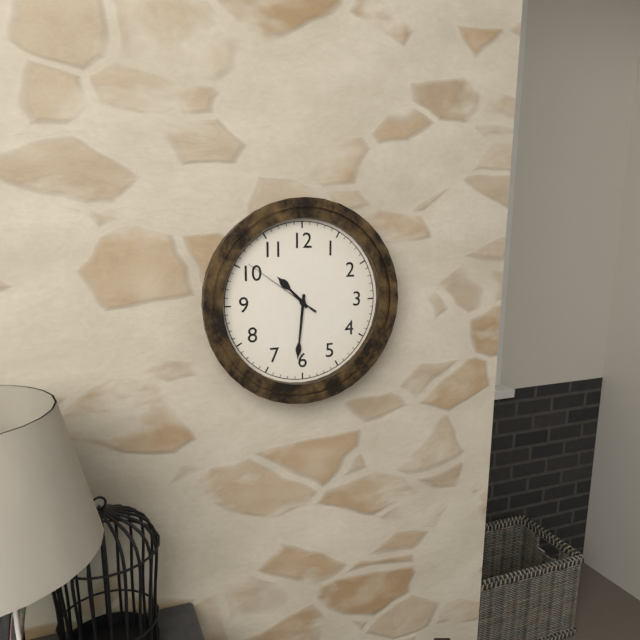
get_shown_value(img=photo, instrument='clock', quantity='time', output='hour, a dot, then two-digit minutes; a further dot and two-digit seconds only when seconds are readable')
10.31.51
